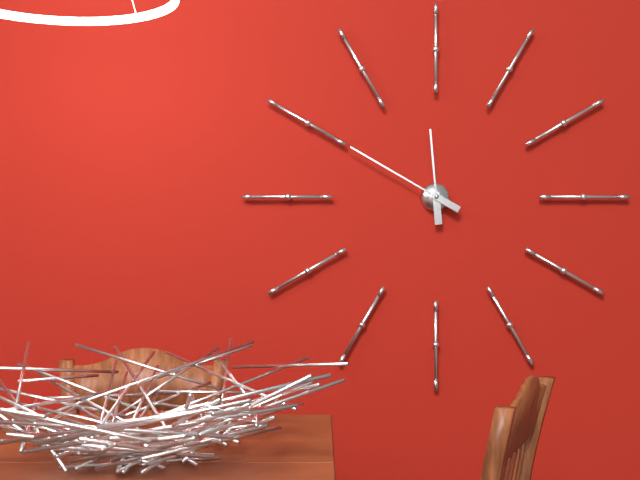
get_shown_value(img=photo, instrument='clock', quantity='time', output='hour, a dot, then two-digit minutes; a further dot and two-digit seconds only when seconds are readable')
11.50
